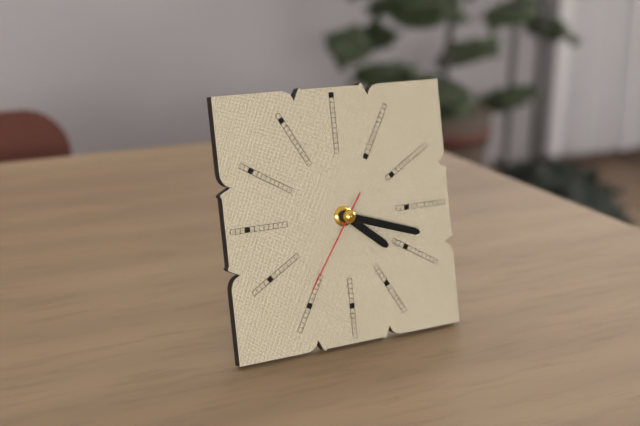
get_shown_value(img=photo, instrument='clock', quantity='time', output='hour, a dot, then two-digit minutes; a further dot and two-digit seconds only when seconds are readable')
4.18.36
